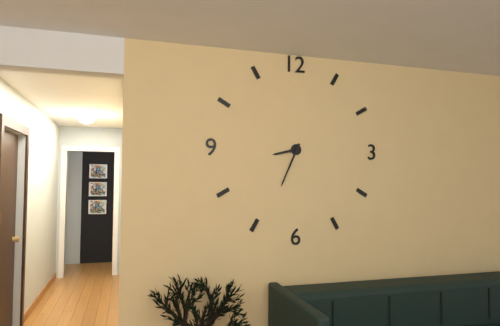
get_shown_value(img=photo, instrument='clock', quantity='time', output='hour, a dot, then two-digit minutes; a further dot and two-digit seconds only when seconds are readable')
8.34
